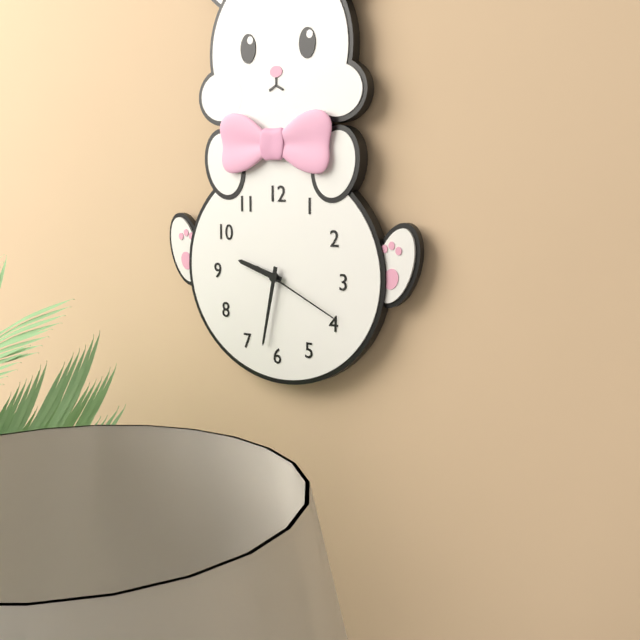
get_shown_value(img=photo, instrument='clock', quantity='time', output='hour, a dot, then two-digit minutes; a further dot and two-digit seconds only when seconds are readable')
9.32.19
